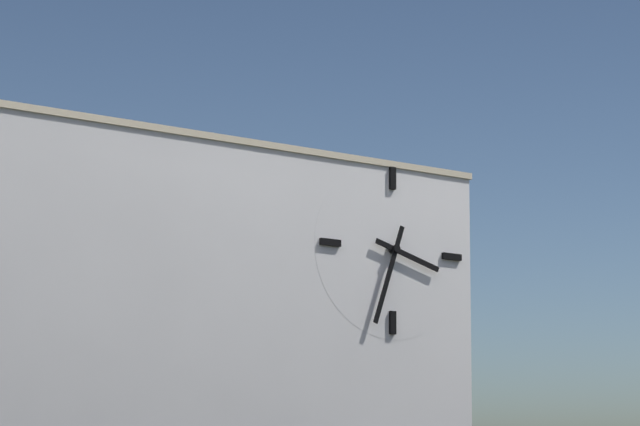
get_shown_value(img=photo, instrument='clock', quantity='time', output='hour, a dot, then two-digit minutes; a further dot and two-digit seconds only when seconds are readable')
3.33
